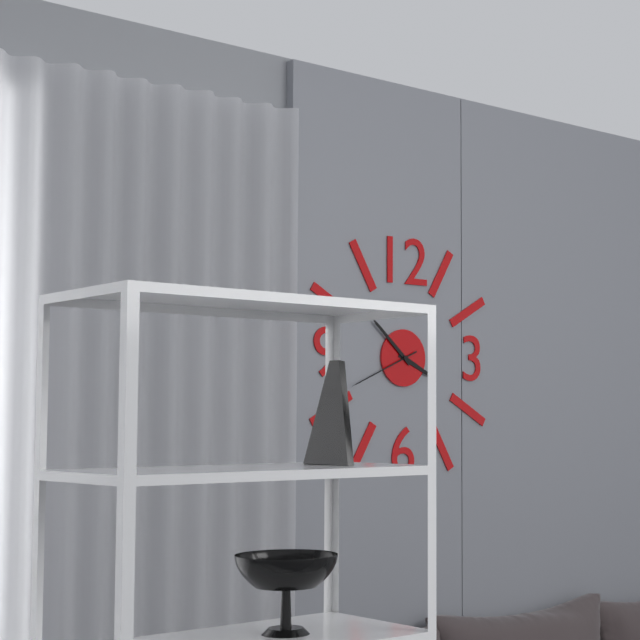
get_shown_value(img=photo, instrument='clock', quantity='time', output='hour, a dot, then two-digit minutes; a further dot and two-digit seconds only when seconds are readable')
3.52.41
